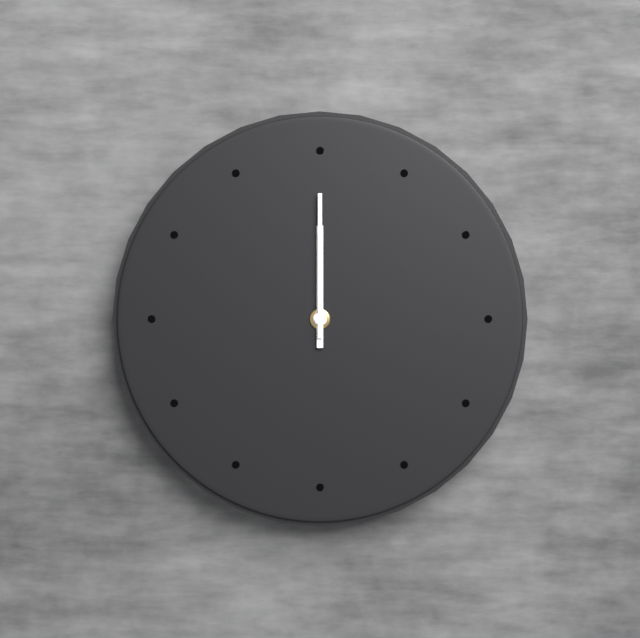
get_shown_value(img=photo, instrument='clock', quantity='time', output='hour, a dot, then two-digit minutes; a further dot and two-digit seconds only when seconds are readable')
12.00
